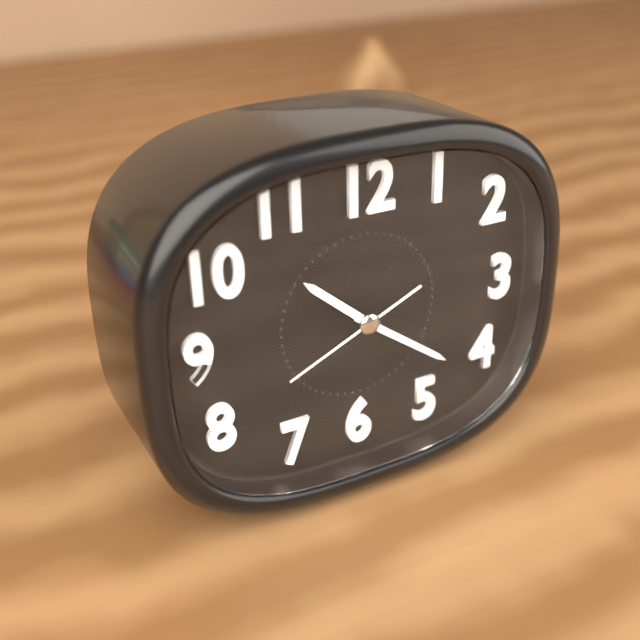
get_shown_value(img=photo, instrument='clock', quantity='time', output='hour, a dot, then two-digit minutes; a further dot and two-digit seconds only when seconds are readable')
10.21.41
